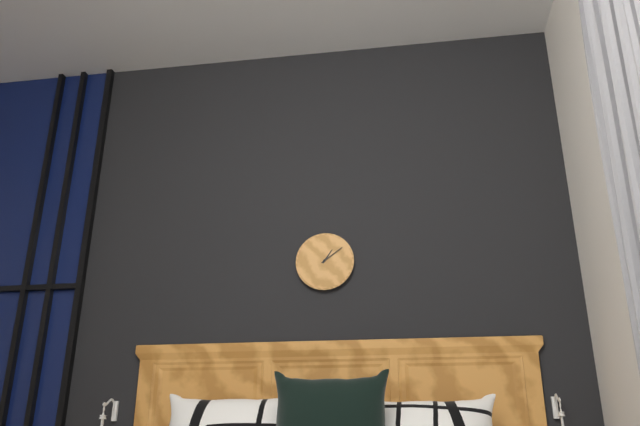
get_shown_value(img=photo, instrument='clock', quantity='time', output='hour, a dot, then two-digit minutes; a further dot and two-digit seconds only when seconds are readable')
1.09
